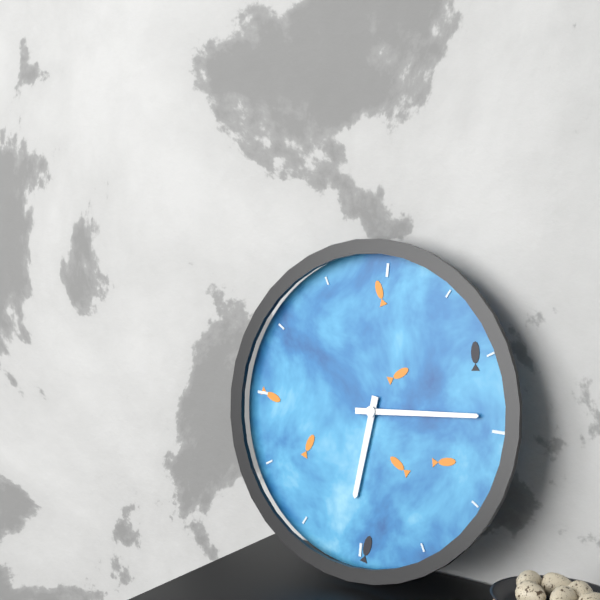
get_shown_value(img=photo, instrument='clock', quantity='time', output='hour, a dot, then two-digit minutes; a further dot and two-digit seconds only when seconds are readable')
6.14
